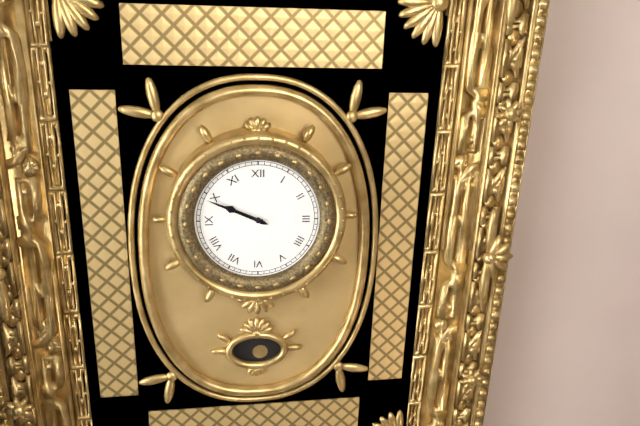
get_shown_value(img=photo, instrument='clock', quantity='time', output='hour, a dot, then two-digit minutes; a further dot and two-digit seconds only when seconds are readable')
9.49
